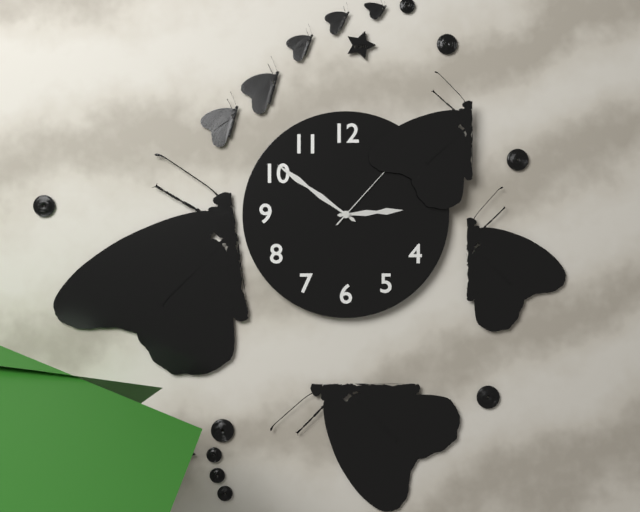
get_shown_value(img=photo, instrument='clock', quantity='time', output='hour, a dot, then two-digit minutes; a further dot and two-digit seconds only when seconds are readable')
2.51.07
